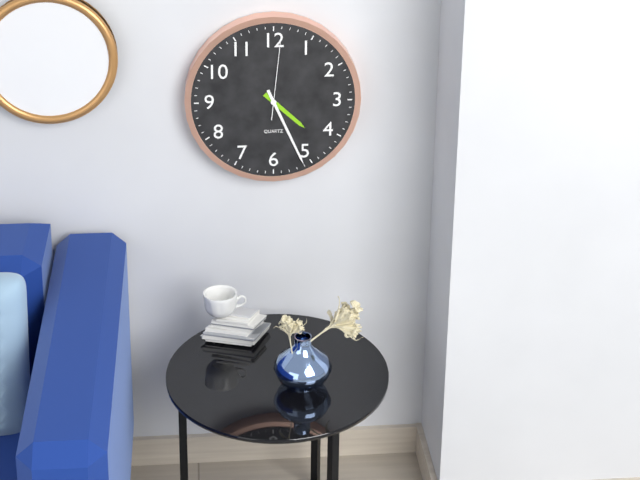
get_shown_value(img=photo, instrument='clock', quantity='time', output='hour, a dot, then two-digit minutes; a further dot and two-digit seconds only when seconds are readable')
4.26.01
